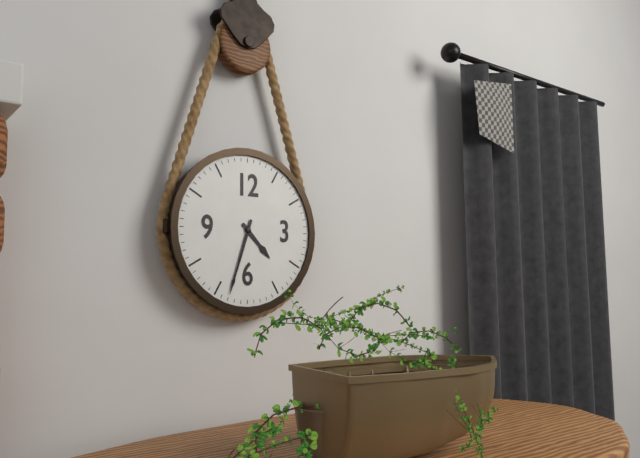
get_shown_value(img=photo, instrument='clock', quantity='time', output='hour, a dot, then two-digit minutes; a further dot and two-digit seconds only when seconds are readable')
4.33
